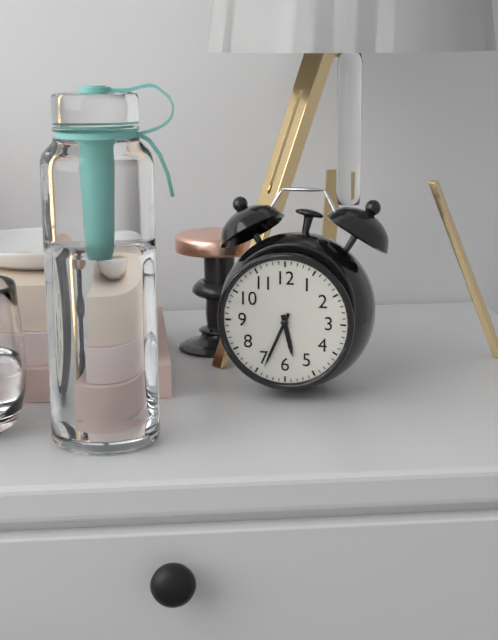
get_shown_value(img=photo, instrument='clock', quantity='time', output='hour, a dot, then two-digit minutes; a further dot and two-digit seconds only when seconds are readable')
5.34
